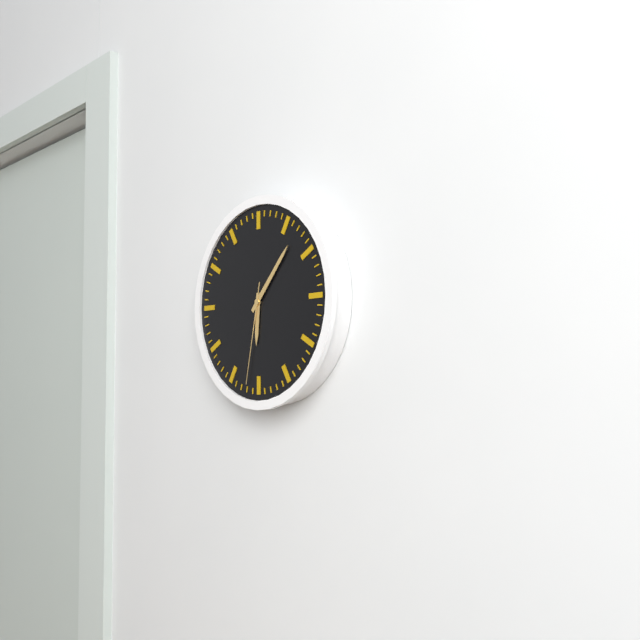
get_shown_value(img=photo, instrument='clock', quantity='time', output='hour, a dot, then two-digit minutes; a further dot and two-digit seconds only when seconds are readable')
6.07.32
